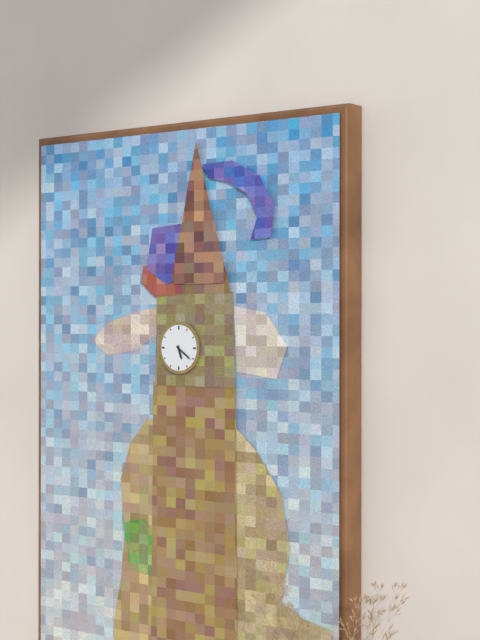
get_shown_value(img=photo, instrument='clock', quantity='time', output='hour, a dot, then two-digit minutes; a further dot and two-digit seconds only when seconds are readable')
5.21
